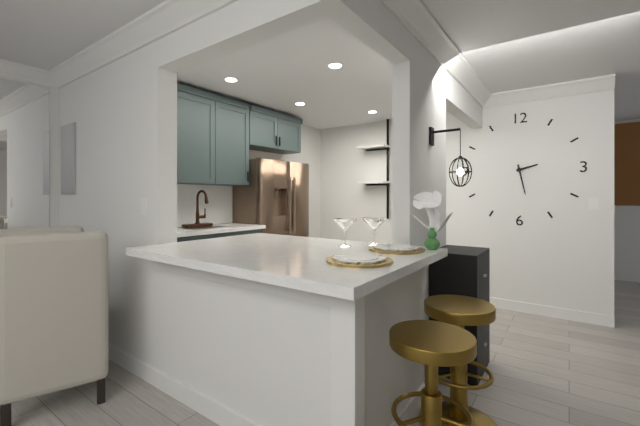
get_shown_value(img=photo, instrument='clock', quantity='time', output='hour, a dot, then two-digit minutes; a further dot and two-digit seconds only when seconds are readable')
2.28
